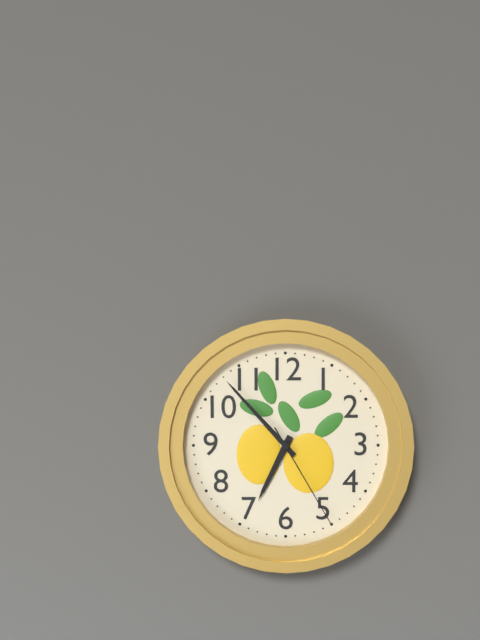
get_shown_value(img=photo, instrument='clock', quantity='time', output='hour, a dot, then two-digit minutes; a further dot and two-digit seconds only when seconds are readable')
6.53.25
